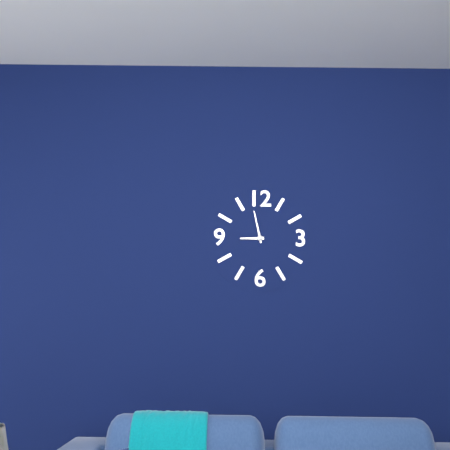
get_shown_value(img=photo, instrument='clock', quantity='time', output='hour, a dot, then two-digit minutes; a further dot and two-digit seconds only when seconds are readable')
8.58
